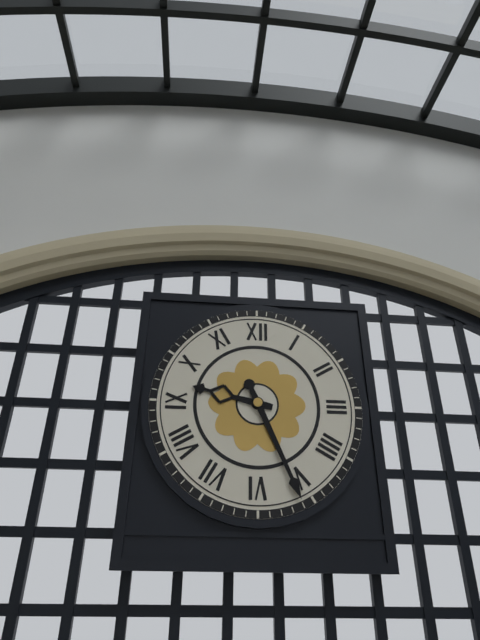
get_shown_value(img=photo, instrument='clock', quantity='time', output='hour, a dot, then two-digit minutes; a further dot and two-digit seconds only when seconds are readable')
9.26
